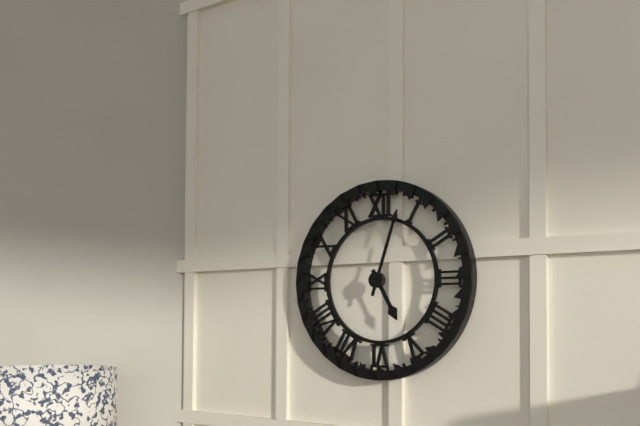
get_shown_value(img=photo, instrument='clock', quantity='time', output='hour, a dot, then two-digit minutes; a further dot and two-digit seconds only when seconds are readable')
5.03
